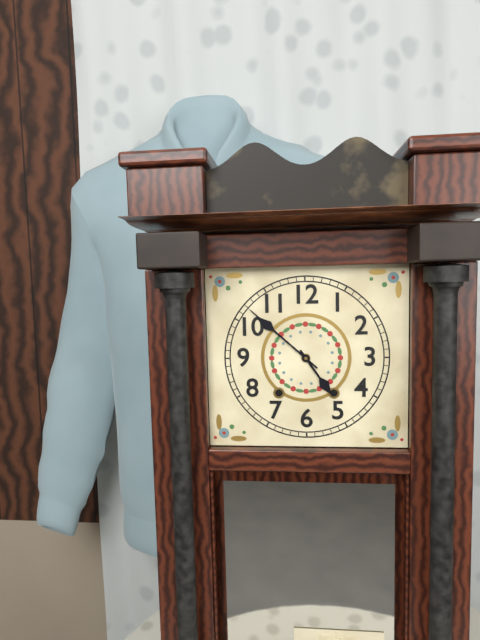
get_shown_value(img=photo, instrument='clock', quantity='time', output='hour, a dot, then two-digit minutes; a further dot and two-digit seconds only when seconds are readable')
4.52
